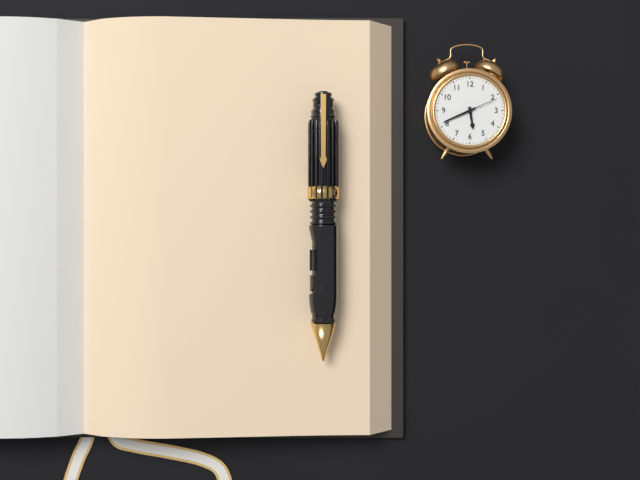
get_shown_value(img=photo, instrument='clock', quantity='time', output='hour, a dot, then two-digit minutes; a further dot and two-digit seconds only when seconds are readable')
5.41
